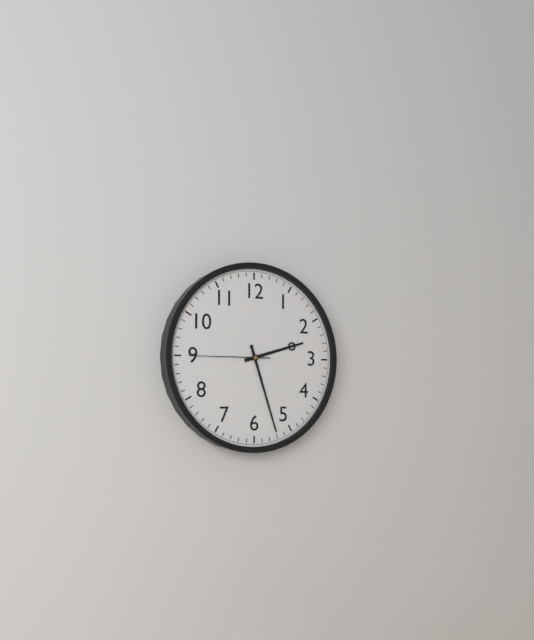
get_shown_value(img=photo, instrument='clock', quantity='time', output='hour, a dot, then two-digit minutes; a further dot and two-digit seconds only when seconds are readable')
2.27.45
